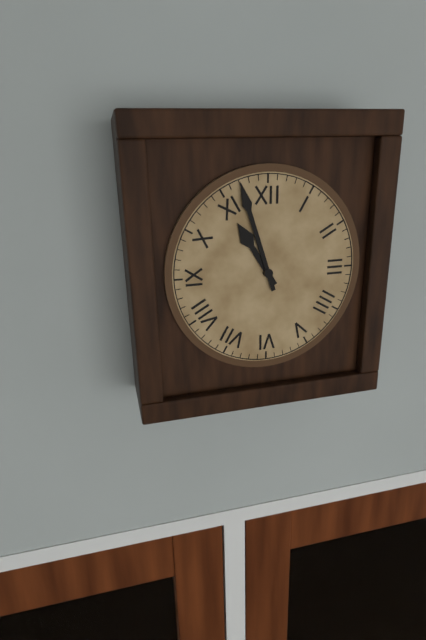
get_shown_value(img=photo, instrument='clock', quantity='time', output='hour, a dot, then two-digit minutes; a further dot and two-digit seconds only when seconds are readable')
10.57
